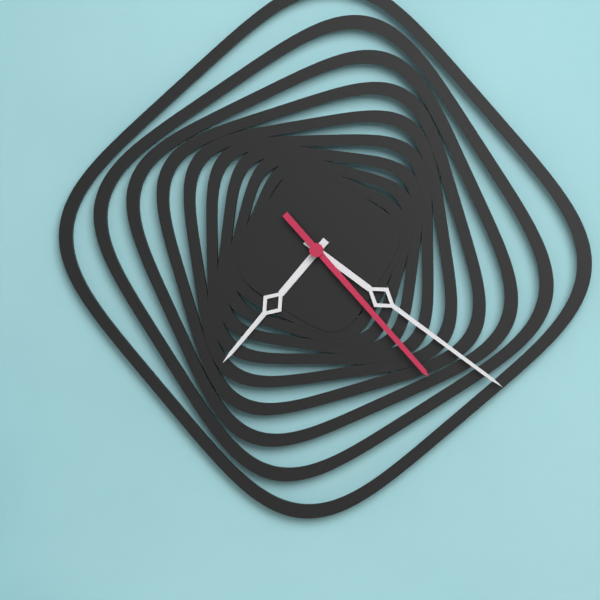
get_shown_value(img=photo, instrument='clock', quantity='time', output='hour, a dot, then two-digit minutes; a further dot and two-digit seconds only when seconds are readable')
7.21.23
